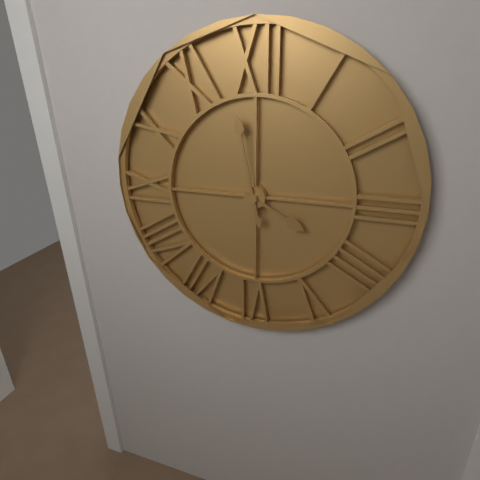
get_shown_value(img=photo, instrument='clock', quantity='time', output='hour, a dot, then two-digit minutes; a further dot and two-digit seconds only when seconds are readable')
3.58
